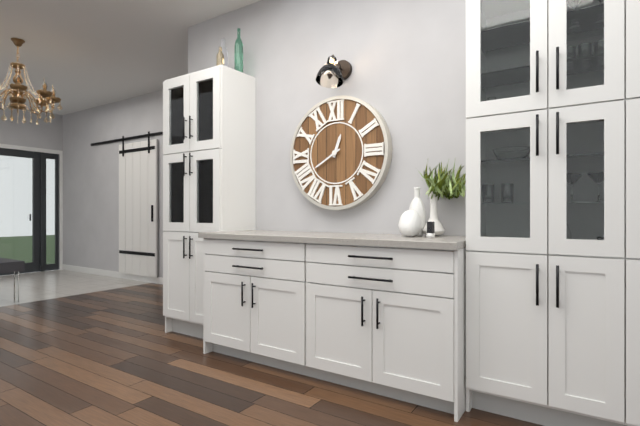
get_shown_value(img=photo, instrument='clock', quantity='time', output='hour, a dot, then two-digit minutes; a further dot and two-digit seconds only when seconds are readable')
12.40
